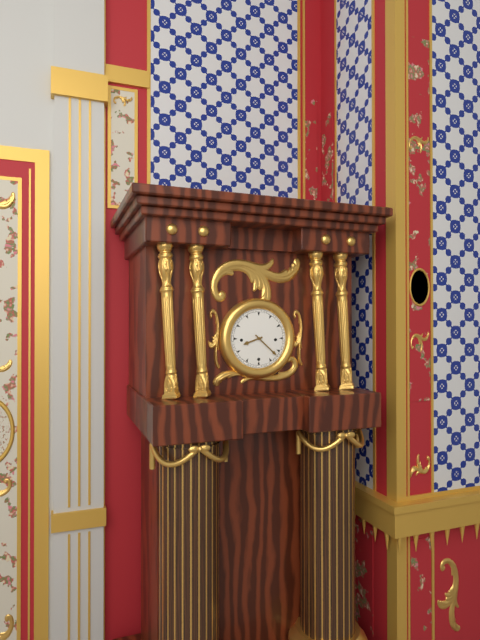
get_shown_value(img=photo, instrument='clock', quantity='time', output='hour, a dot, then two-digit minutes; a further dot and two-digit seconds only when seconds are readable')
8.22
